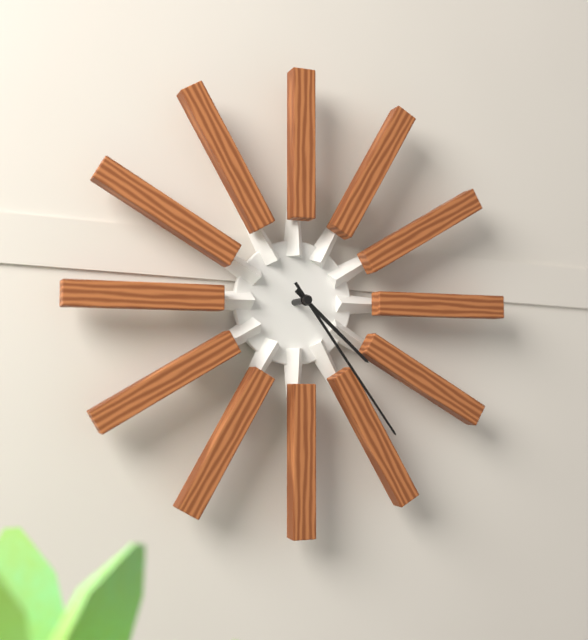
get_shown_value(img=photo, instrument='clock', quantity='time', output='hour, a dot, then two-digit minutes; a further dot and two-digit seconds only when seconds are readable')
4.24
